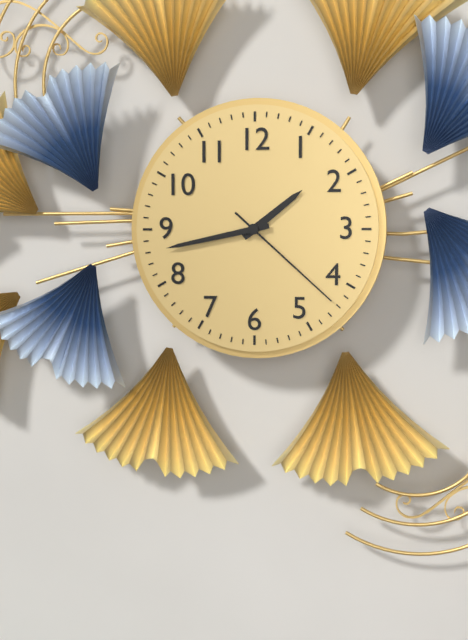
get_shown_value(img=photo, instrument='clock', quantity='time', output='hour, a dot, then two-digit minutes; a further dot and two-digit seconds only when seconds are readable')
1.43.22
